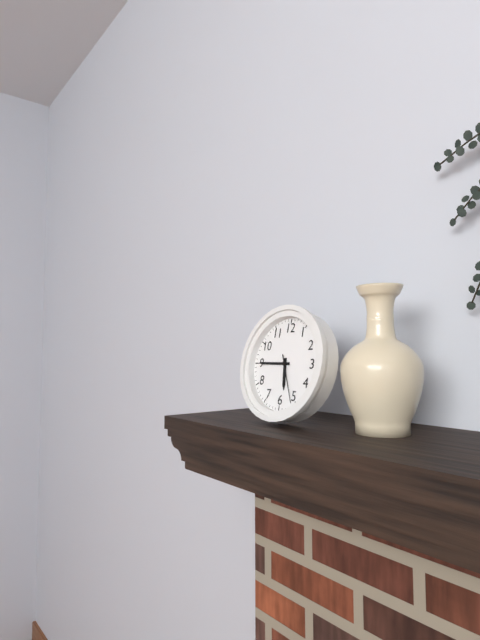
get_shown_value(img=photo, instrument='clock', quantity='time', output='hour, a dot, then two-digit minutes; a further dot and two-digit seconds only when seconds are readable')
5.45
